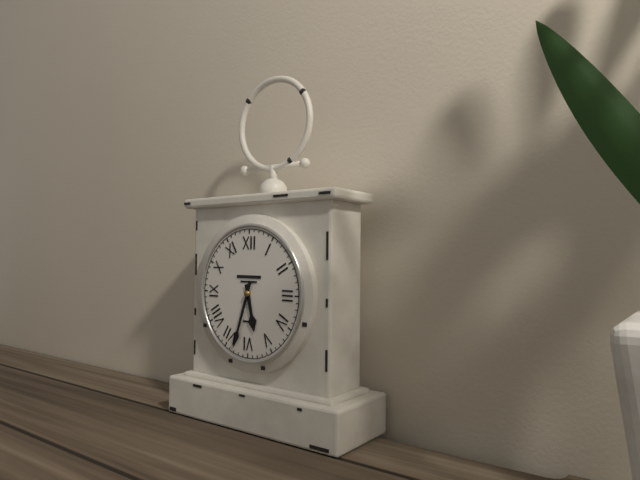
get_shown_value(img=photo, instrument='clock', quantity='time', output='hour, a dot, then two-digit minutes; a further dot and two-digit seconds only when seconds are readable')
5.33
